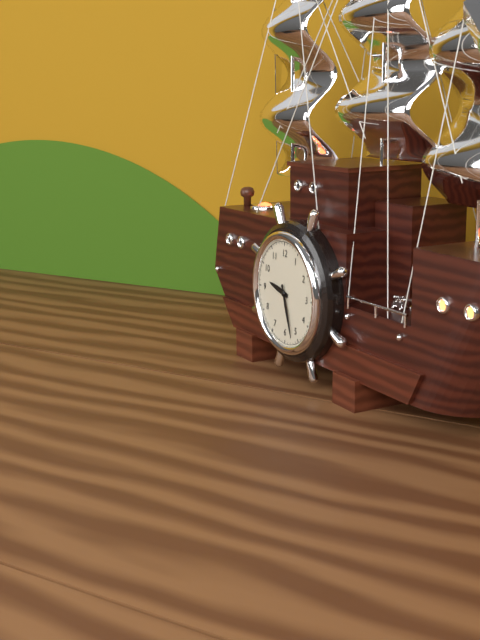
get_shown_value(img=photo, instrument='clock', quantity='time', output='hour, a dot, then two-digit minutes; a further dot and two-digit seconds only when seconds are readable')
9.27
